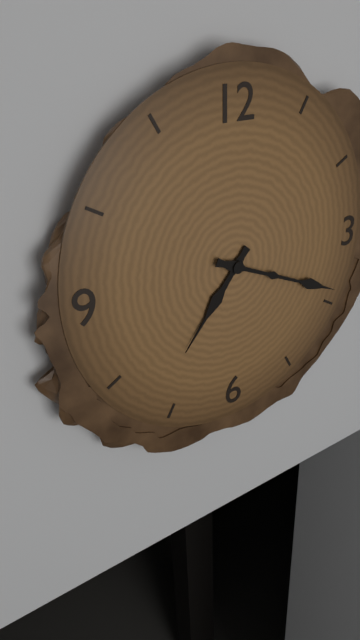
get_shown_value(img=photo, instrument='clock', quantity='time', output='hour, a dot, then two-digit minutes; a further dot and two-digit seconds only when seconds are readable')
7.19
